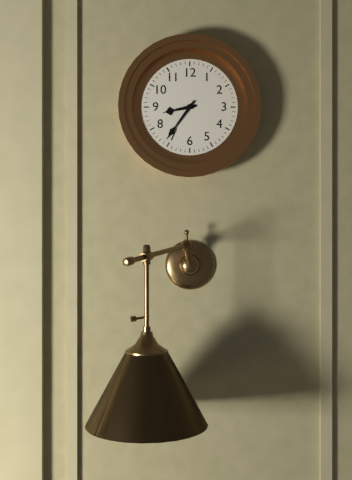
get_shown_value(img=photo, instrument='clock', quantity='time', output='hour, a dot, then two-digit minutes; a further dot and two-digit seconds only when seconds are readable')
8.36
